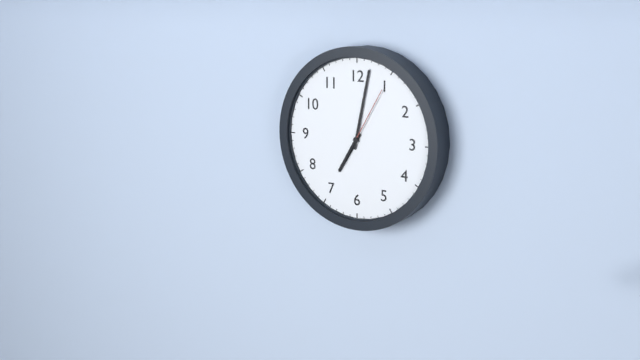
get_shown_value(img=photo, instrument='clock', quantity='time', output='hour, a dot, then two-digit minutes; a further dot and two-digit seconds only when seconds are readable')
7.02.05
